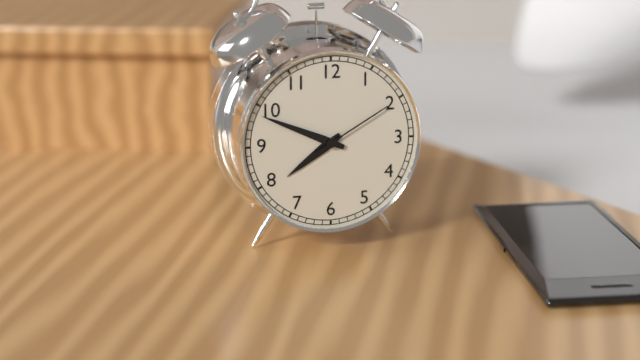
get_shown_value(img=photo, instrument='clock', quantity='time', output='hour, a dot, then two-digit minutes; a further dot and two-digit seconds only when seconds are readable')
7.49.10
